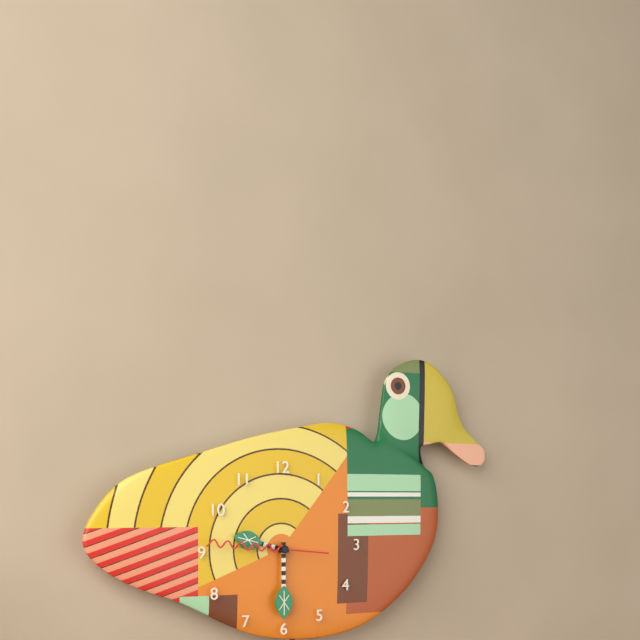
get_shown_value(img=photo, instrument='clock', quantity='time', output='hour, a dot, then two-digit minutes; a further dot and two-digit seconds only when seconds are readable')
9.30.46
